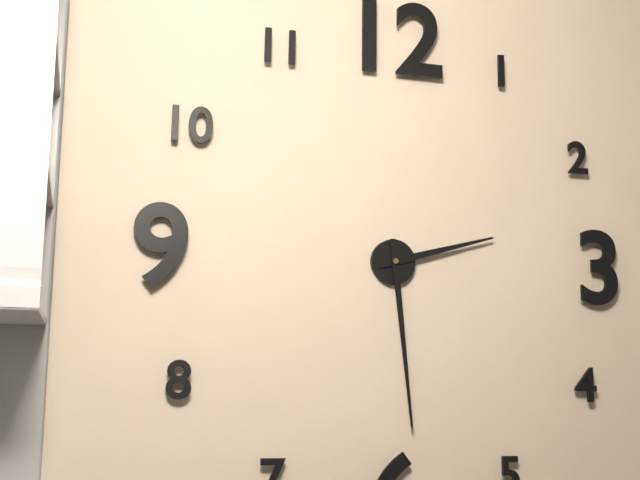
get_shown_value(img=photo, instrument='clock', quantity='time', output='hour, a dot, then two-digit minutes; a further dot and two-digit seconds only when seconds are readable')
2.29
